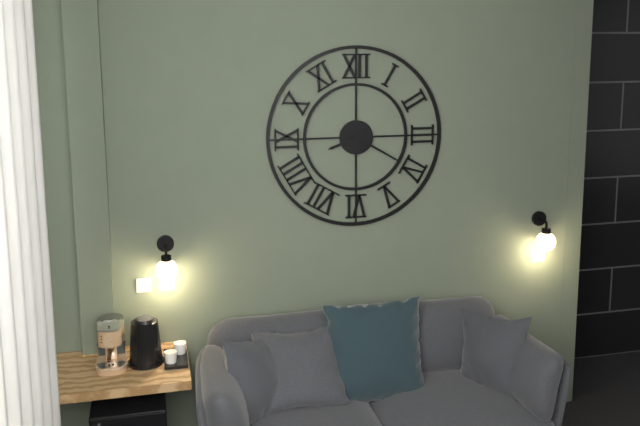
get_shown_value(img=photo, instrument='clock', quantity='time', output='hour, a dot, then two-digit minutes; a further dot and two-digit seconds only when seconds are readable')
8.20
